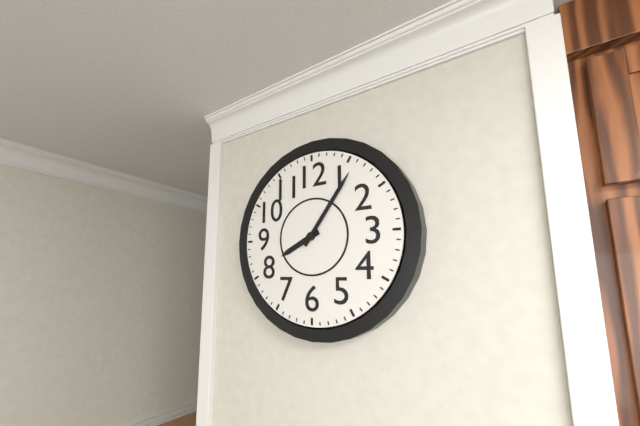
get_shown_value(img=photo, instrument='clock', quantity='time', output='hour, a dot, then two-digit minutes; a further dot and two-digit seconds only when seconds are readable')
8.06
